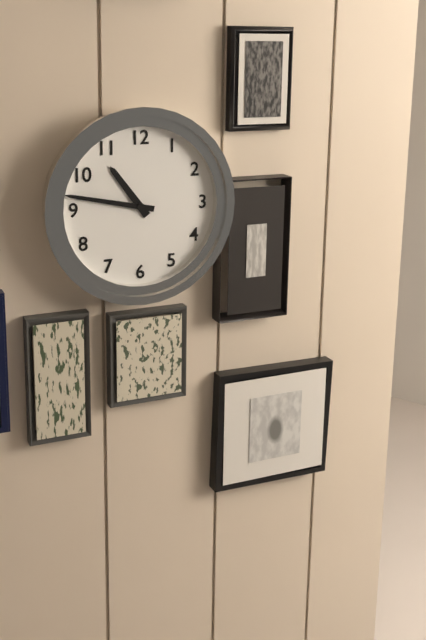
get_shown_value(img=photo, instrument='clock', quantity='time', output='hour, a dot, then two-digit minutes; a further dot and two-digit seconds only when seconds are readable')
10.47
